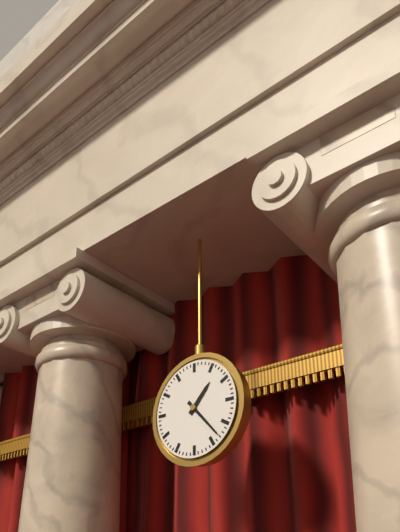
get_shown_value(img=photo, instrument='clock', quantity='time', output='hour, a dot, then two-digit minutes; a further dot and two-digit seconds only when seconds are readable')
1.23
